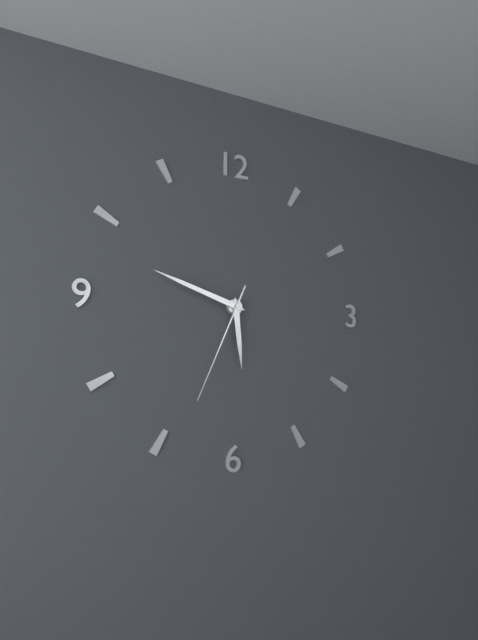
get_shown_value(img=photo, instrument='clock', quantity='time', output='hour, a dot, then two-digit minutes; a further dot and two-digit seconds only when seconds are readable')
5.48.34
